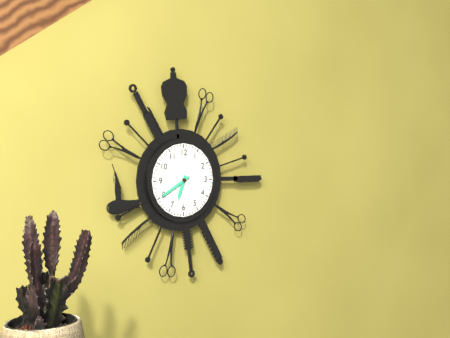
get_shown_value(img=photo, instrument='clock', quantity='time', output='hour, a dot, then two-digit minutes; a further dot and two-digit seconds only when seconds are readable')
6.40
